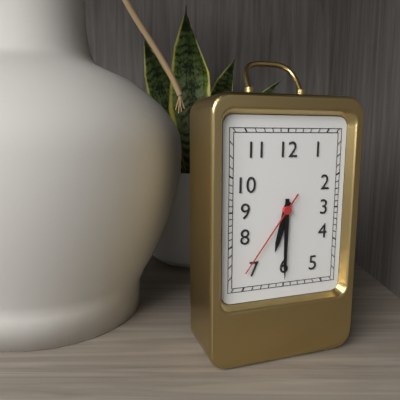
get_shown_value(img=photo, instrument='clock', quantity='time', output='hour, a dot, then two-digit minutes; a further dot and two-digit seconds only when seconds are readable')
6.30.36
